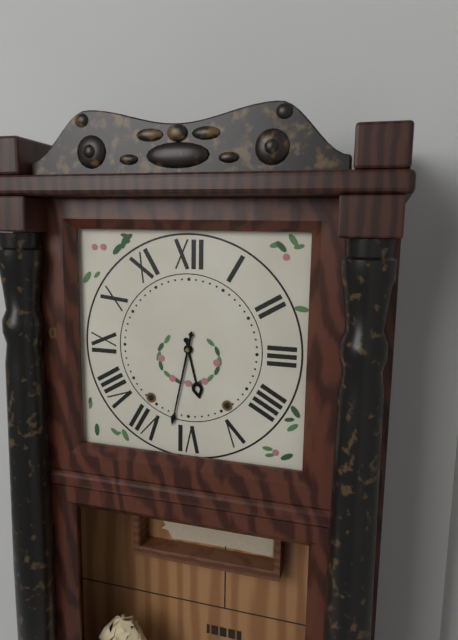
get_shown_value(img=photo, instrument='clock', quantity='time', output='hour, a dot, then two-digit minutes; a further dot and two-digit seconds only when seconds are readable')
5.32
